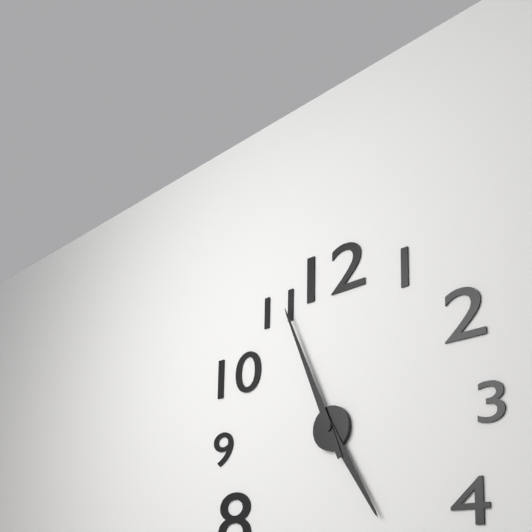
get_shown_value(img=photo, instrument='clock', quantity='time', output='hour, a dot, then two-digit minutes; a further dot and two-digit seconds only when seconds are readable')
4.56
